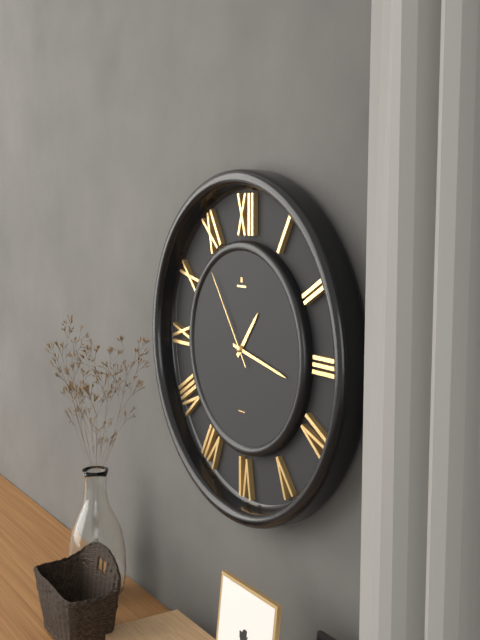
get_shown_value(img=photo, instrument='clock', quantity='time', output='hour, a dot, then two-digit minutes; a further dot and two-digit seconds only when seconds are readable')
1.17.54
